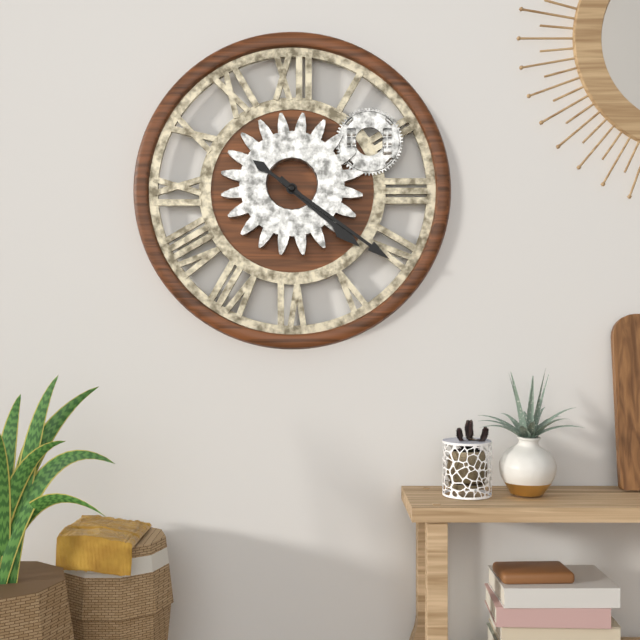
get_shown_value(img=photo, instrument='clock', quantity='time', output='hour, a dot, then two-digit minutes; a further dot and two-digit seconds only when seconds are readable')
4.21
